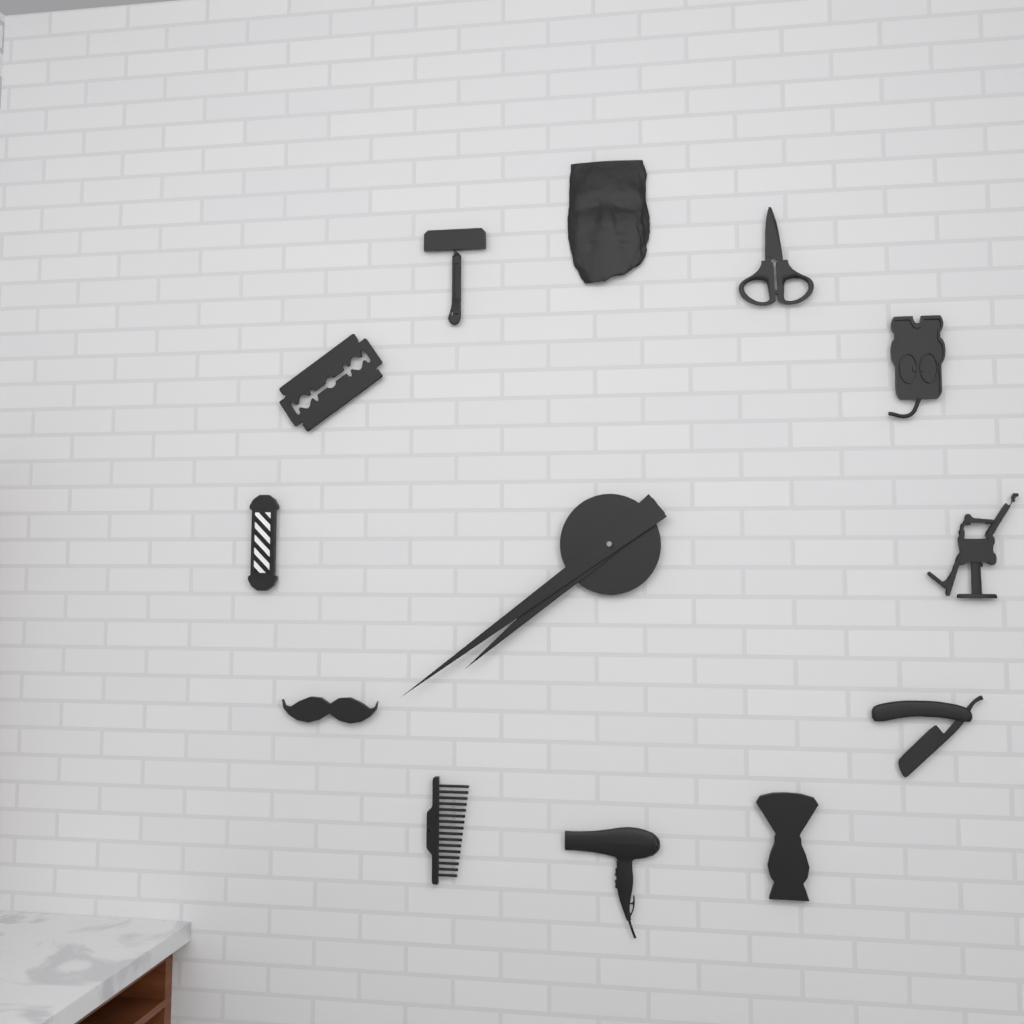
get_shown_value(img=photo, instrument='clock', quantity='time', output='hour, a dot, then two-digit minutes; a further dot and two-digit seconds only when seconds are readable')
7.39
